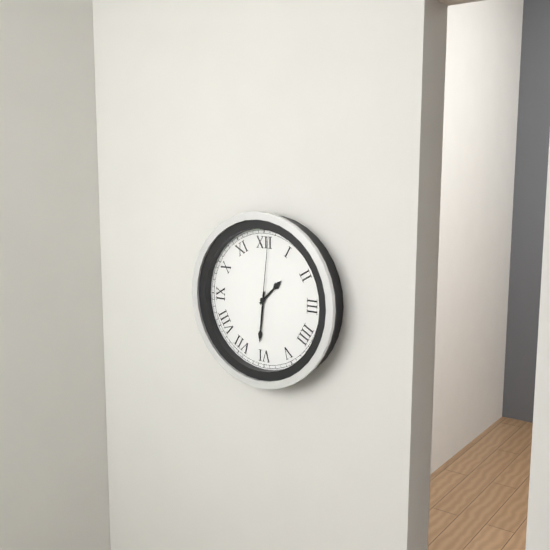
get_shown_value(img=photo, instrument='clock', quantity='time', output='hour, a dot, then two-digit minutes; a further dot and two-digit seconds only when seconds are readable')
1.31.01
